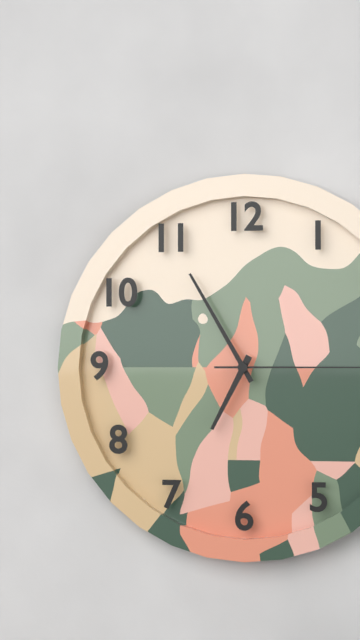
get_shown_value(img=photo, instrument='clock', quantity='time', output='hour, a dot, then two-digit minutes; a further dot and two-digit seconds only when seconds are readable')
6.55
